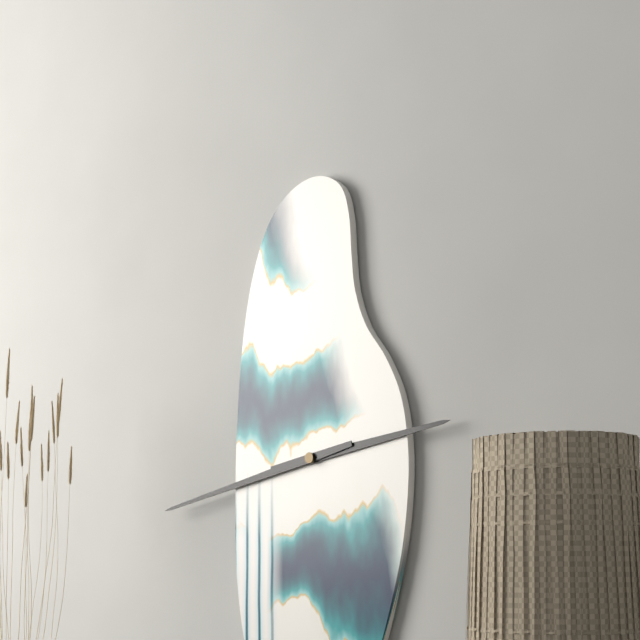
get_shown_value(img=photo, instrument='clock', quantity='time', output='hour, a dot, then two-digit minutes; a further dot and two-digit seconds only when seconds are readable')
2.43
